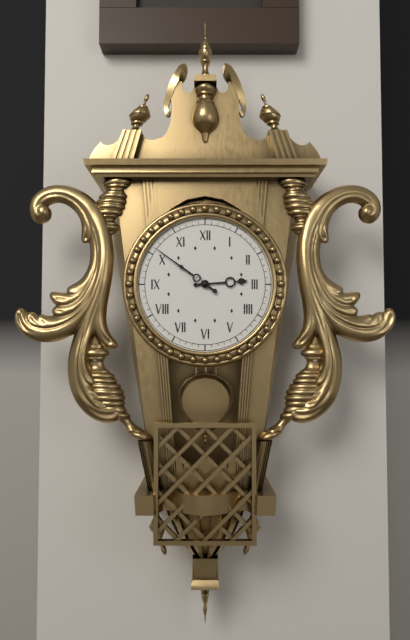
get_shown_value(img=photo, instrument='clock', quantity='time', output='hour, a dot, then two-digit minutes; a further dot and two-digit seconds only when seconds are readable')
2.51
